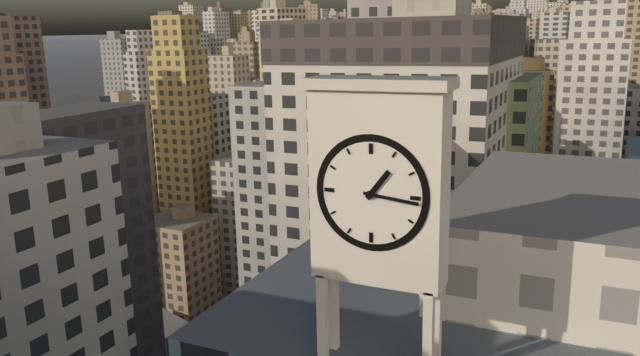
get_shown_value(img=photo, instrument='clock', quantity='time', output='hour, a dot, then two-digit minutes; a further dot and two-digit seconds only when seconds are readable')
1.16
